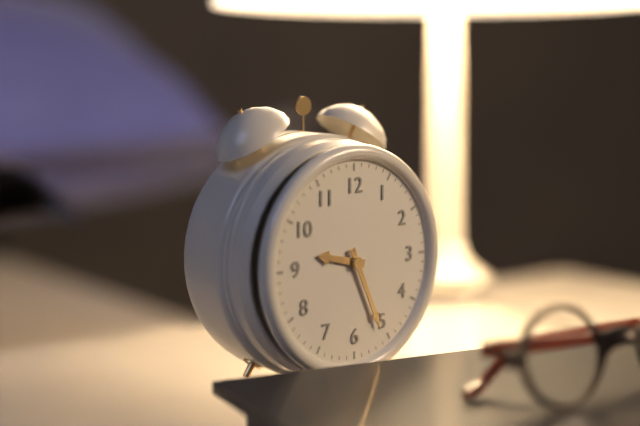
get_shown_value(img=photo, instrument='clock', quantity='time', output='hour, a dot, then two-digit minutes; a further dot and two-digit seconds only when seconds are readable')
9.26
